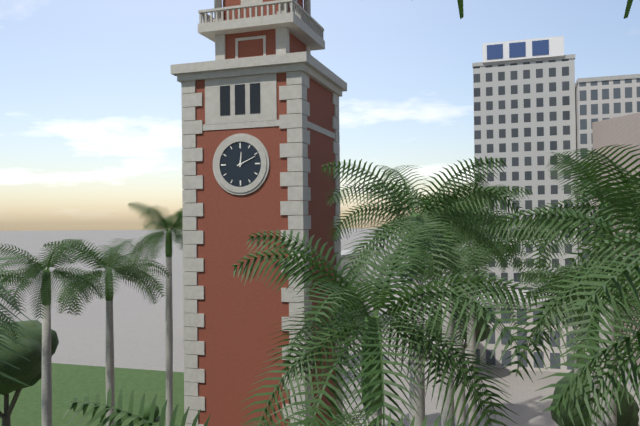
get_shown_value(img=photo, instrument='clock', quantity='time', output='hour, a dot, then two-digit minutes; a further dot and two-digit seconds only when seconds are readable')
12.11
